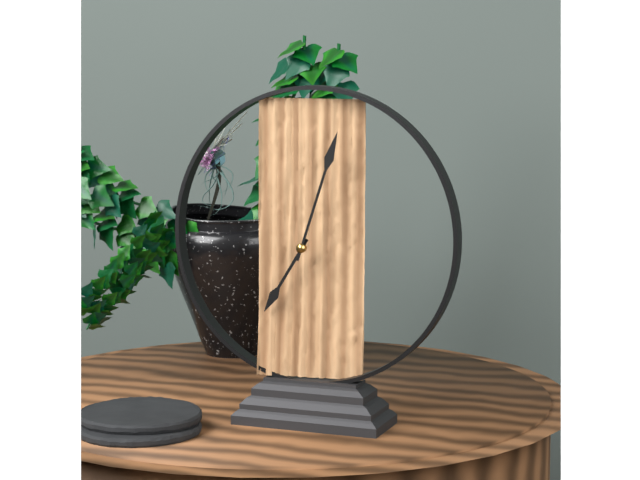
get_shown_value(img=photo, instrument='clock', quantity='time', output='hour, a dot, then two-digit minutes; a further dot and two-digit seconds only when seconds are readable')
7.03
